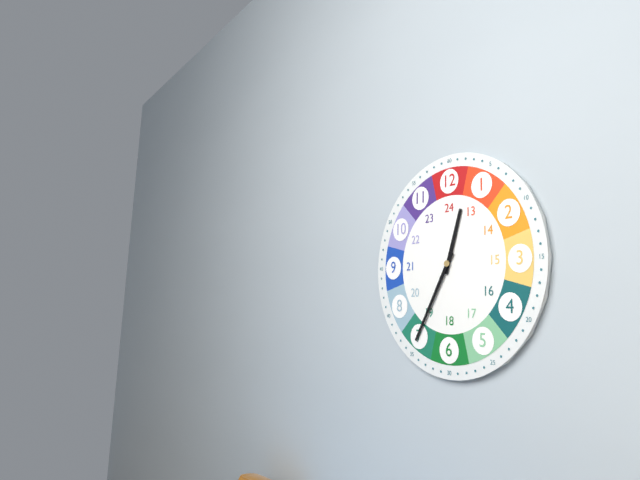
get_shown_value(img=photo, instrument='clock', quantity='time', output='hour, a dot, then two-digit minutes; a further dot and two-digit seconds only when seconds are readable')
12.35
